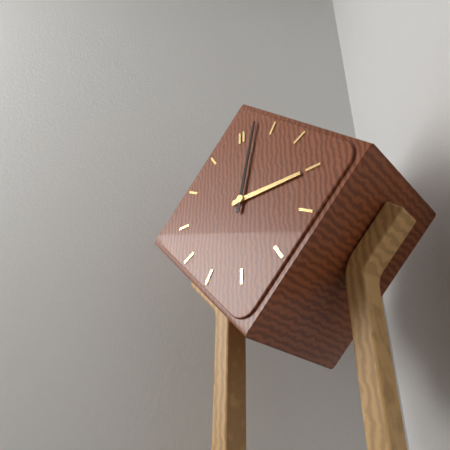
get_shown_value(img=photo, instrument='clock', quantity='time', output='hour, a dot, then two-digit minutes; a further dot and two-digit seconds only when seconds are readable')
3.02
